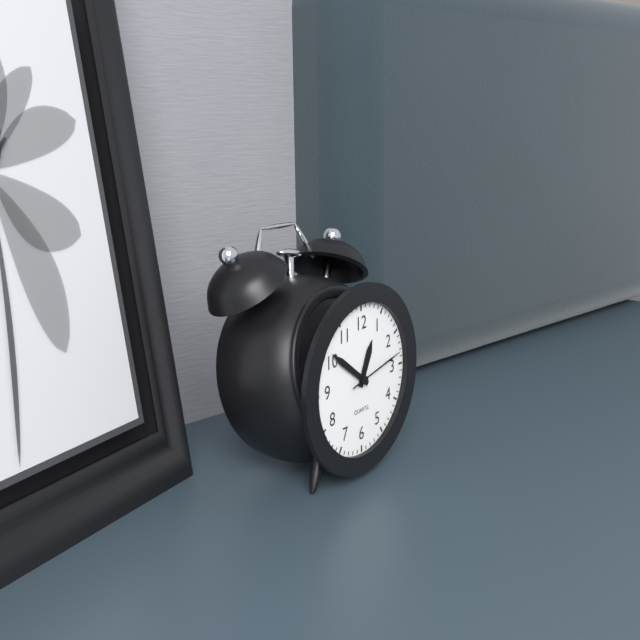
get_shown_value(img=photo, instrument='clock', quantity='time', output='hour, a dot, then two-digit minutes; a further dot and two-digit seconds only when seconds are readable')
12.51.13
